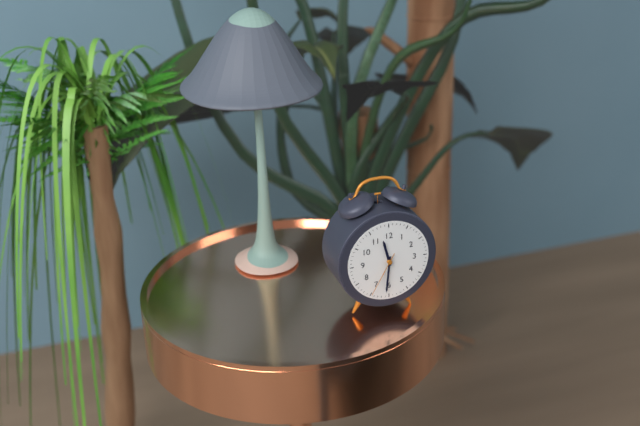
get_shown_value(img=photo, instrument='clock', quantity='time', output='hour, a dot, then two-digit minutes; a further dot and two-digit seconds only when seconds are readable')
11.31
